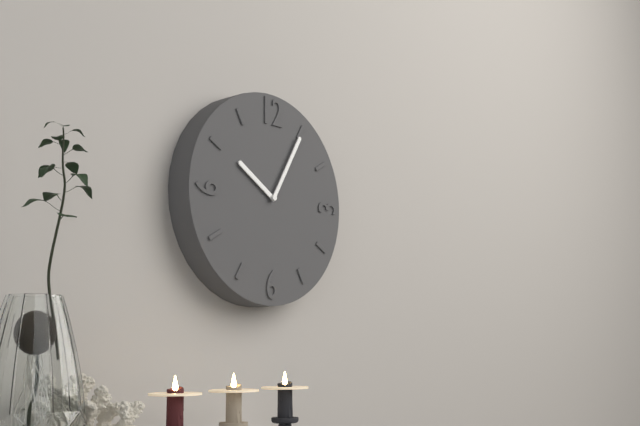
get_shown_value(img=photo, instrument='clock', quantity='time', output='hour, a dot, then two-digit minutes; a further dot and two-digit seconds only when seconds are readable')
10.05
